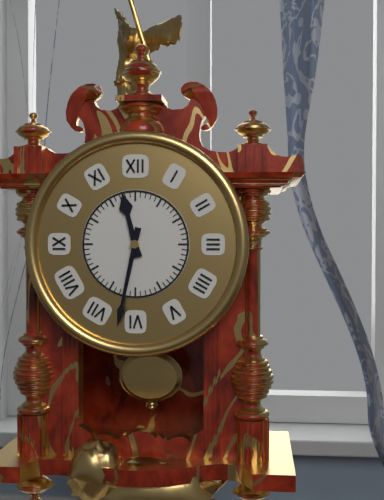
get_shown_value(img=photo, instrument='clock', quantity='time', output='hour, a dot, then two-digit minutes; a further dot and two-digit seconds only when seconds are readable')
11.32
